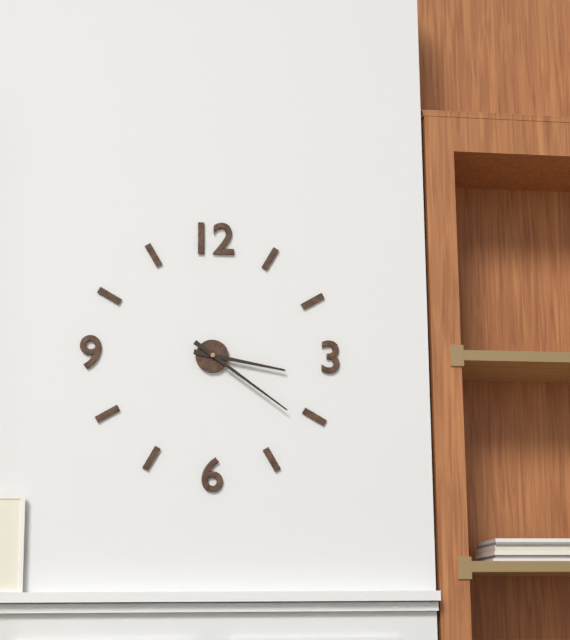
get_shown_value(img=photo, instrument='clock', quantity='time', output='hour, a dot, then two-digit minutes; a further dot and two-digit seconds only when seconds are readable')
3.21
